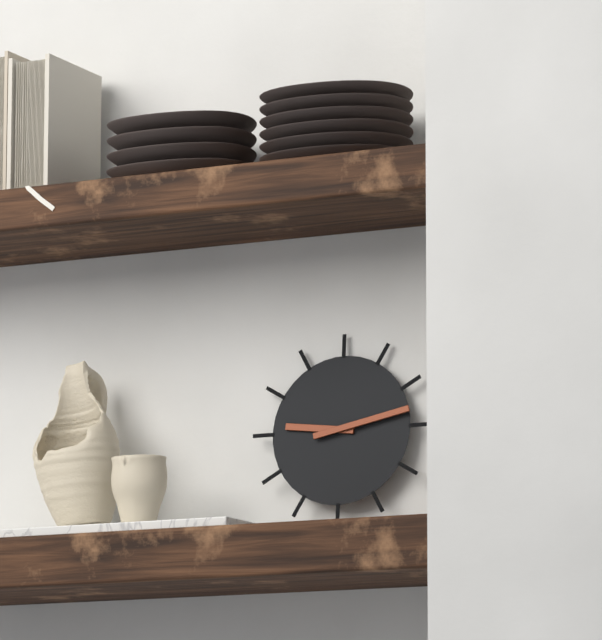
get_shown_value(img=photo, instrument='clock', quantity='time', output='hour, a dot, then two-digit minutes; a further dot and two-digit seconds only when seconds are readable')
9.13
